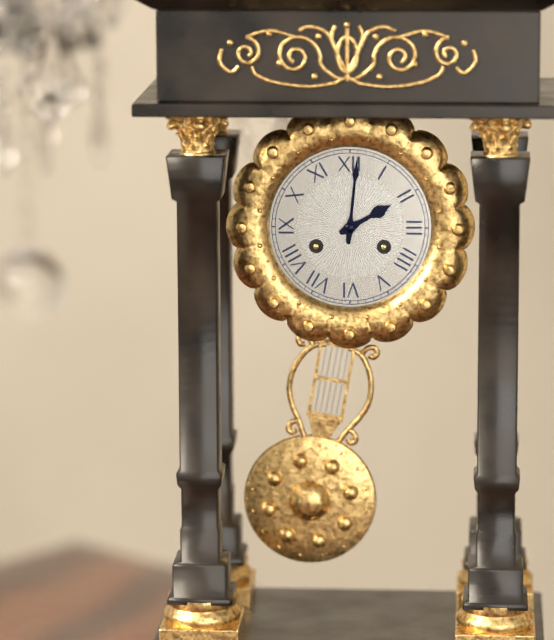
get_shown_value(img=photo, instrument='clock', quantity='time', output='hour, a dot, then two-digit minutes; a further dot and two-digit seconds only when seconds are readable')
2.01
